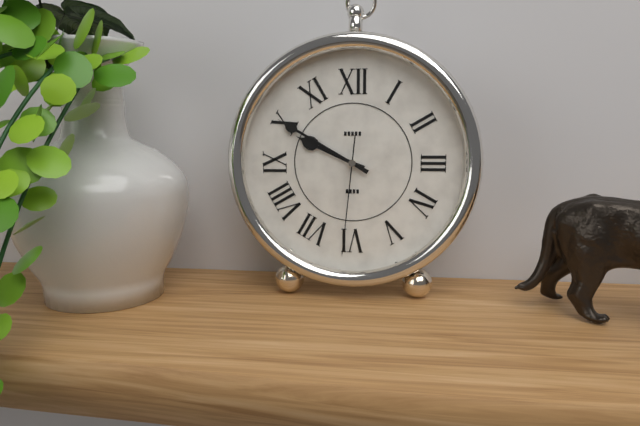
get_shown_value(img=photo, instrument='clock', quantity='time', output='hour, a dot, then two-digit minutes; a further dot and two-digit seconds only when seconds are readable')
9.50.31
